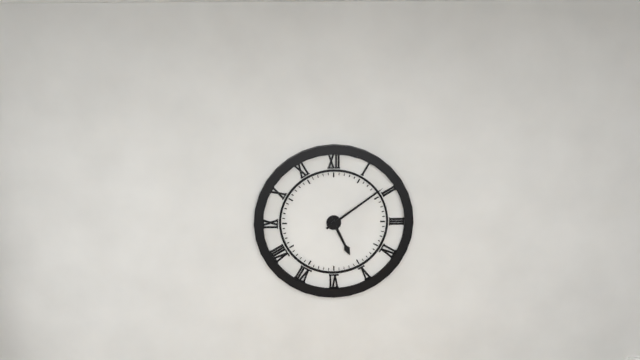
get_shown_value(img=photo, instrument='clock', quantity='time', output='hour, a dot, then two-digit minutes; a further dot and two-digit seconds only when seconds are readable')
5.09
